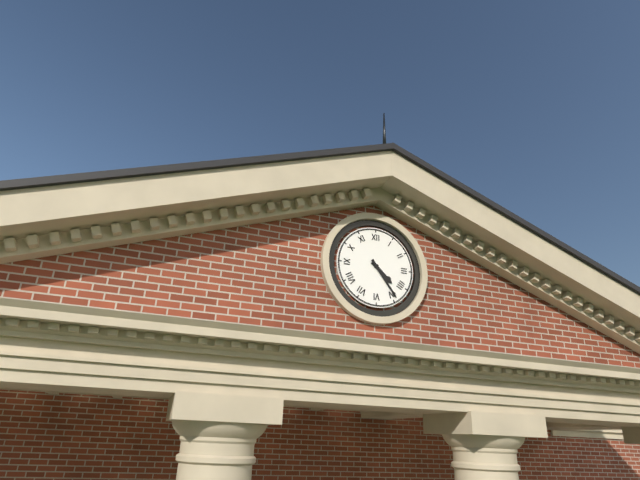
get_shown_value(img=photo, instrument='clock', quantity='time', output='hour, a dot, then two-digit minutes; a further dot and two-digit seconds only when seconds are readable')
4.24
